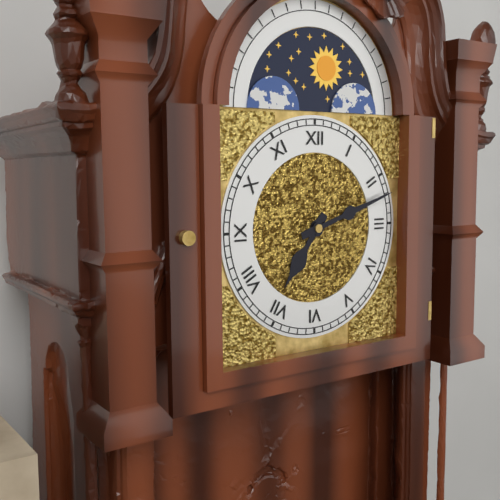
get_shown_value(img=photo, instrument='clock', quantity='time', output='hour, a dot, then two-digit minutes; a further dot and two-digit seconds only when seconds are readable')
7.12
